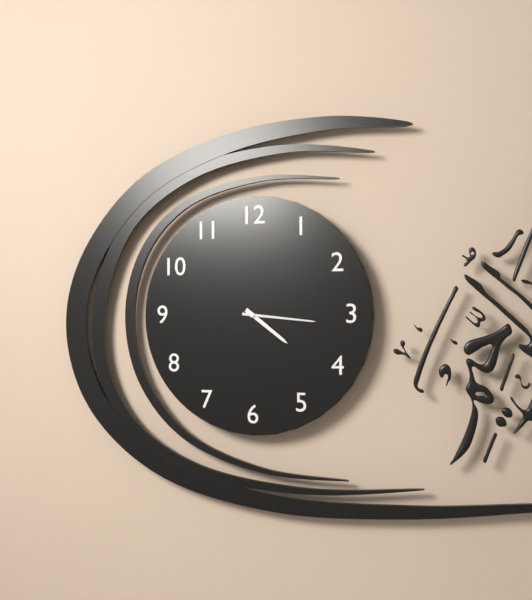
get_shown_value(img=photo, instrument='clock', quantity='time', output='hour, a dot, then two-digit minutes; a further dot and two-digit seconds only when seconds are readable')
4.16
